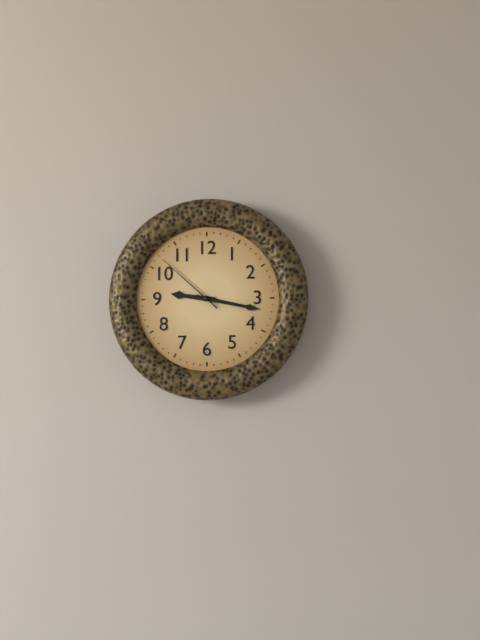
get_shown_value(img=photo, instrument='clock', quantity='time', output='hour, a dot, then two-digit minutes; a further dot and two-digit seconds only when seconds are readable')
9.17.52
